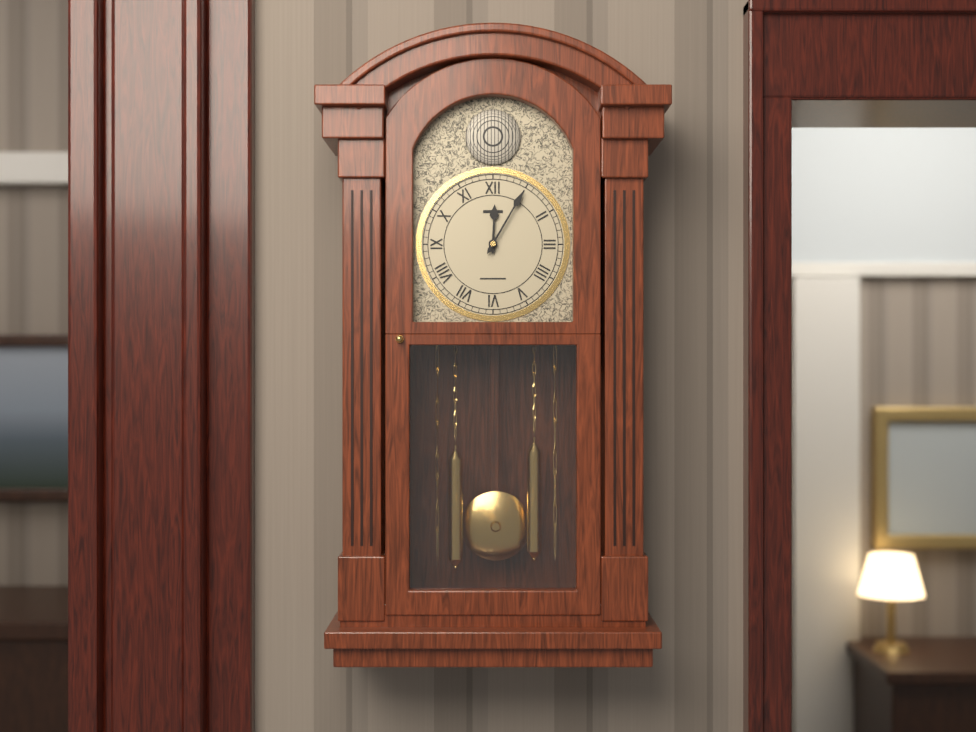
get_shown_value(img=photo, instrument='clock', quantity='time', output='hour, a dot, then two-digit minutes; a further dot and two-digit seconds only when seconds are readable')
12.05
